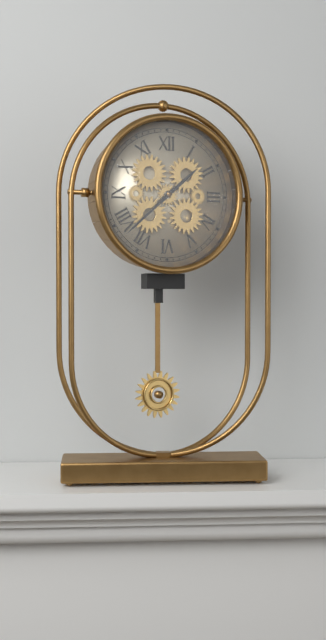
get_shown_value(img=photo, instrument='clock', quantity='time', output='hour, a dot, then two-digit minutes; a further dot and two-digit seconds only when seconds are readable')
1.38
